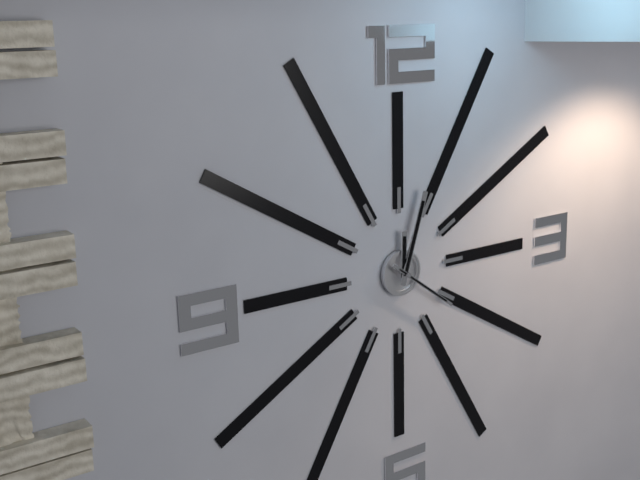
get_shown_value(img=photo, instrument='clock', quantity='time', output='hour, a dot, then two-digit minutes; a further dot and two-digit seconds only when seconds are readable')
12.03.21
